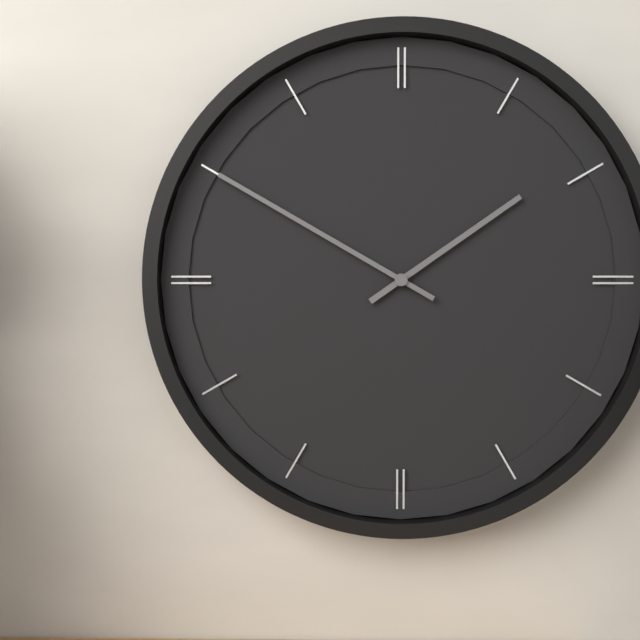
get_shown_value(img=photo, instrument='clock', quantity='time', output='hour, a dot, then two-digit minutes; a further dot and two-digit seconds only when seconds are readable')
1.50
